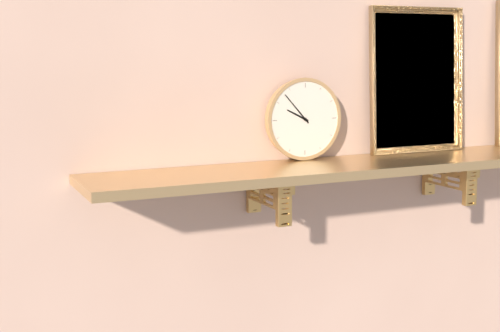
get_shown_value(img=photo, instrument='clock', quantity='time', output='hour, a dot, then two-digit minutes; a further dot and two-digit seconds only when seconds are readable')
9.53
